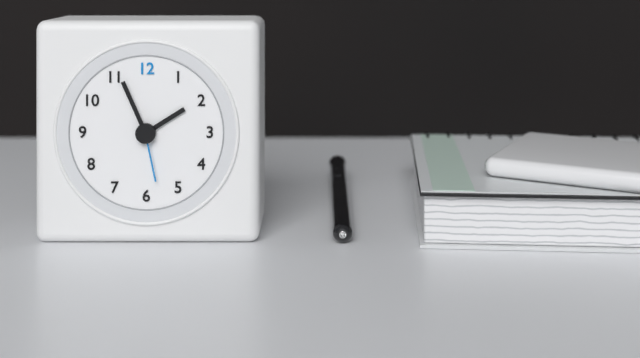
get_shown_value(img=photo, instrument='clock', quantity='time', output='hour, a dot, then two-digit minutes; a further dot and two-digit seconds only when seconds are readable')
1.56.28
